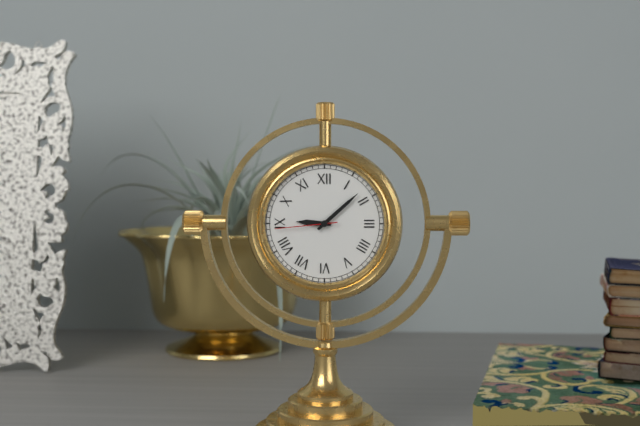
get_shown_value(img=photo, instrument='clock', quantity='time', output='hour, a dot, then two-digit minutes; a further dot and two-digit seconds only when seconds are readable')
9.08.44
